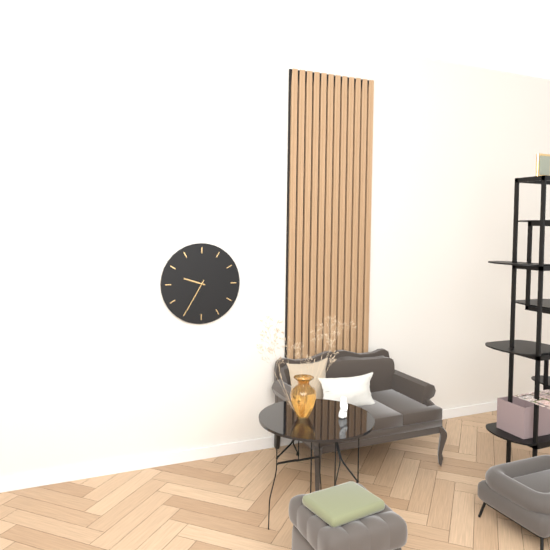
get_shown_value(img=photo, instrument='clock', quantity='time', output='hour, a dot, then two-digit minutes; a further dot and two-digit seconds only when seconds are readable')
9.35
